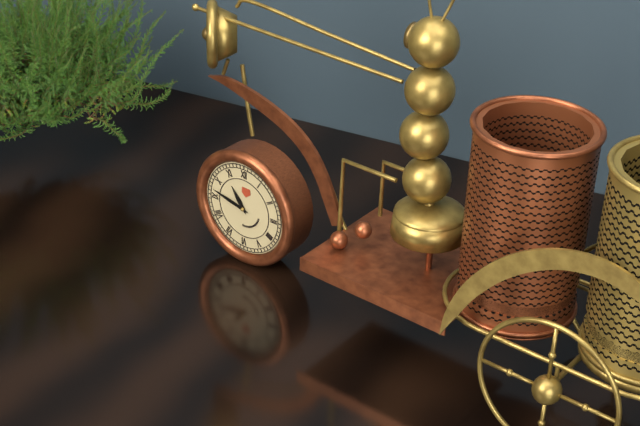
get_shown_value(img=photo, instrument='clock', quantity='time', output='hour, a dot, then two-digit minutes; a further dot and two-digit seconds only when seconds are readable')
10.47
